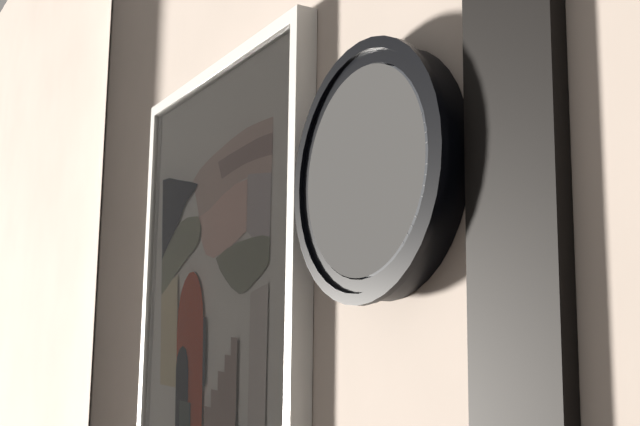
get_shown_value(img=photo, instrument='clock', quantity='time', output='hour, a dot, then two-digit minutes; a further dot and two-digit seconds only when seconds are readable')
12.36.36
